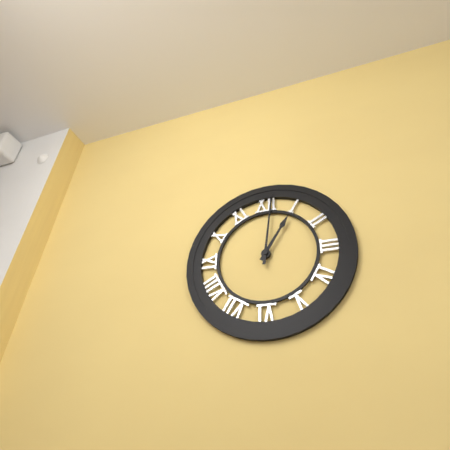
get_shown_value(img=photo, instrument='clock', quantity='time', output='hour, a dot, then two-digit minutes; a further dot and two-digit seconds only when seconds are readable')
1.01
